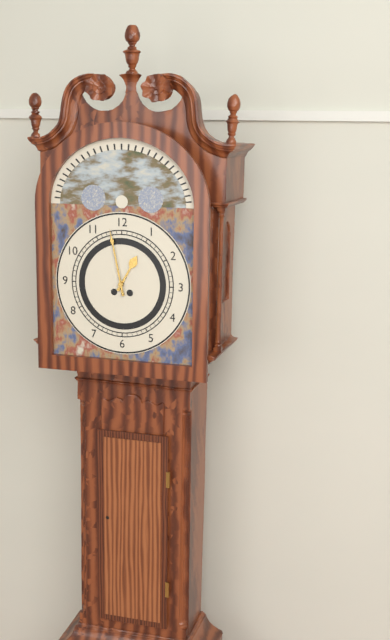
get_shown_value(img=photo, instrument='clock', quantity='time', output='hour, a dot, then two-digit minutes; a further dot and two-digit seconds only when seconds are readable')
12.58
